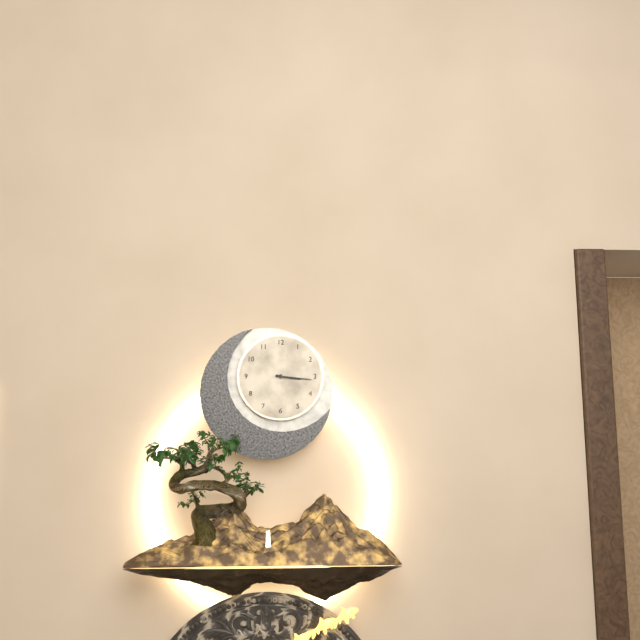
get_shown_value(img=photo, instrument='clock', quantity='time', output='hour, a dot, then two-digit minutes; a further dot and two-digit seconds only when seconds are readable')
3.16
